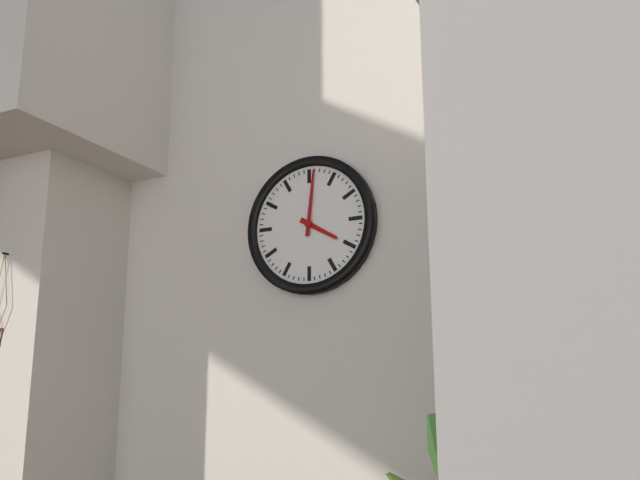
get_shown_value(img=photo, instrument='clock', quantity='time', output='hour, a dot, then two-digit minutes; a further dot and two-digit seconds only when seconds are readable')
4.01
